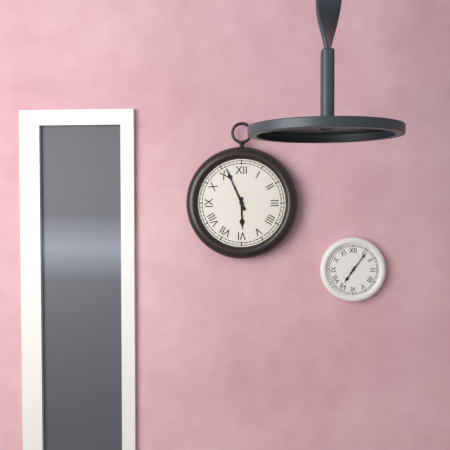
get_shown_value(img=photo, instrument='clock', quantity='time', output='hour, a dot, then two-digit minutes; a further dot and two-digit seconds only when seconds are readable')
5.56
